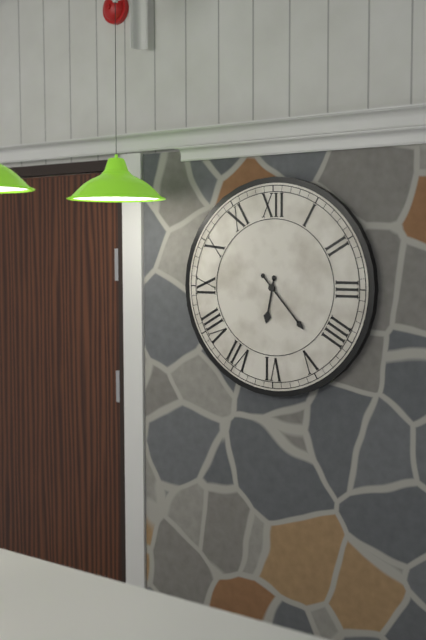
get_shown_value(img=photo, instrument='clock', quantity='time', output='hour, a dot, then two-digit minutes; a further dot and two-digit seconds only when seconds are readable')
6.23
